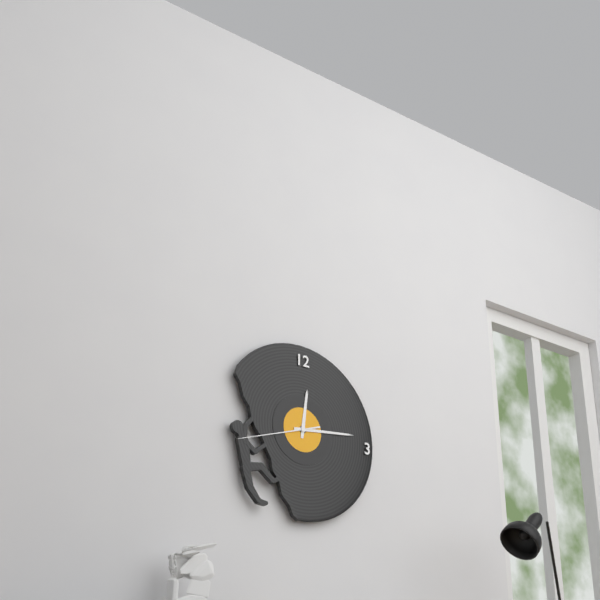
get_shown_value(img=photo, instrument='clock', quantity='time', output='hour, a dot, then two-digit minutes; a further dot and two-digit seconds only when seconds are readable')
12.14.42
